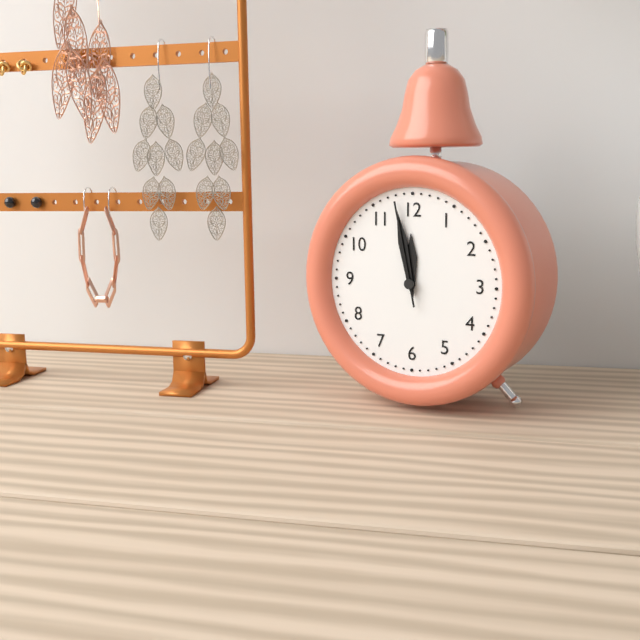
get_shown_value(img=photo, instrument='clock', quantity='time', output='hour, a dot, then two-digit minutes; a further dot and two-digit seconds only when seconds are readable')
11.58.58
